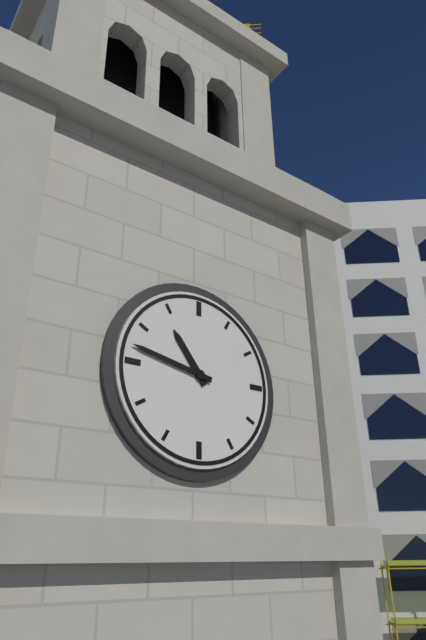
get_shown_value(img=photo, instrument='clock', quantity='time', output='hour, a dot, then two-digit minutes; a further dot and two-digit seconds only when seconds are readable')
10.47
